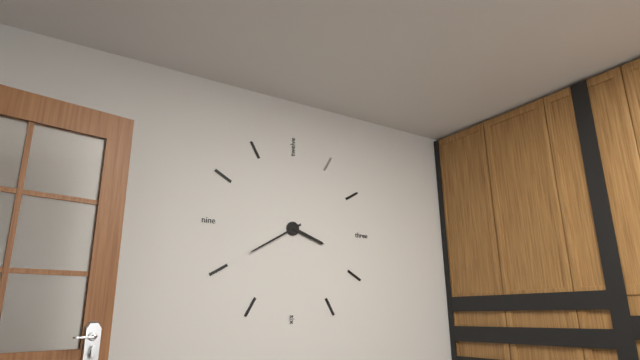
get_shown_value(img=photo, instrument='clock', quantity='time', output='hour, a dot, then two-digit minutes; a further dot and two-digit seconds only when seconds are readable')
3.40
